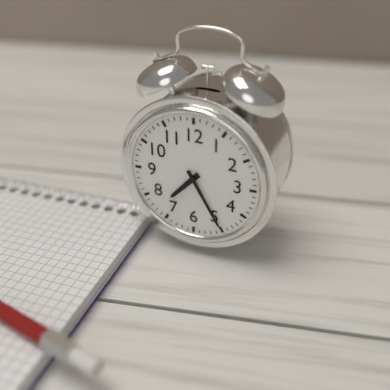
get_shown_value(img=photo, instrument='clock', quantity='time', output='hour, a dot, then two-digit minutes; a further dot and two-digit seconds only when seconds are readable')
7.25
